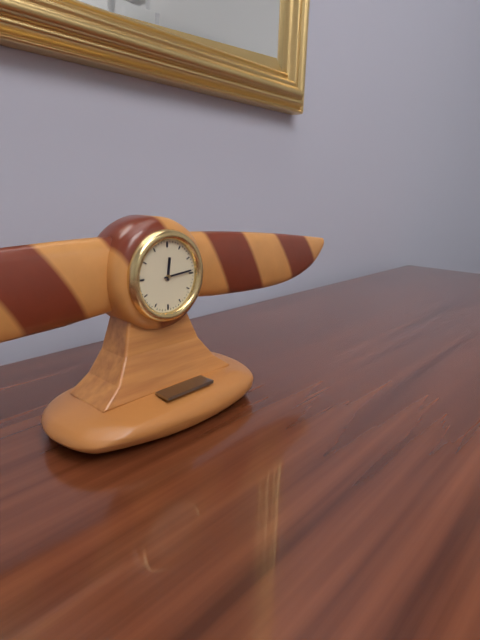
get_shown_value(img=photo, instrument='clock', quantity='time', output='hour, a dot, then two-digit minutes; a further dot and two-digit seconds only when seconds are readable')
12.14
